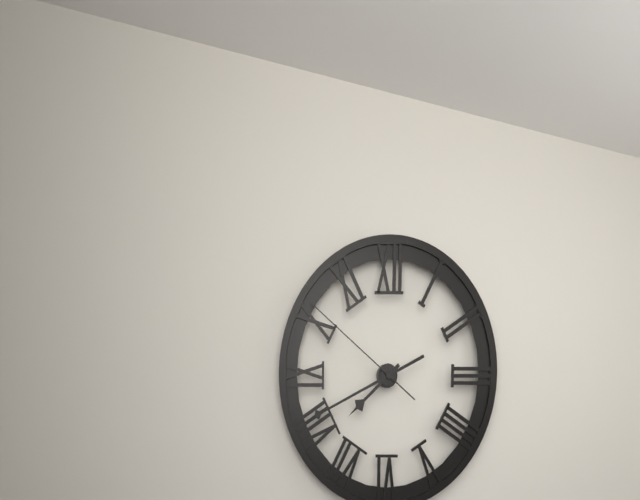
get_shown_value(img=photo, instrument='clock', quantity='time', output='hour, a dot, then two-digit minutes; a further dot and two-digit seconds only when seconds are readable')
7.41.51
